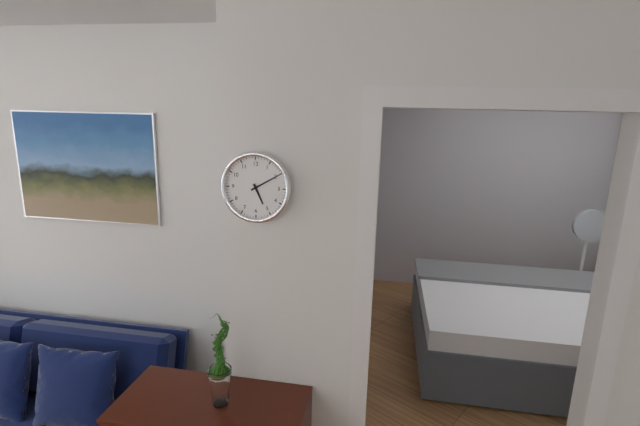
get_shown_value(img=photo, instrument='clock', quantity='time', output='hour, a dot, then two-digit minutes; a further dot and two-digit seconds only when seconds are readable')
5.10
